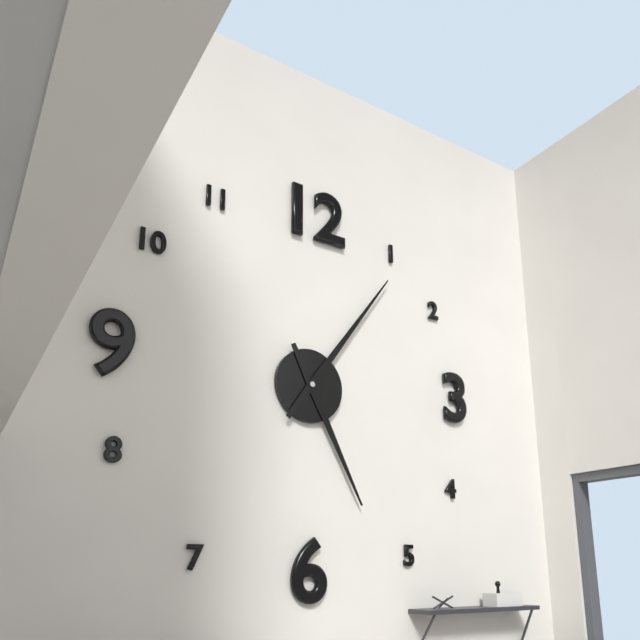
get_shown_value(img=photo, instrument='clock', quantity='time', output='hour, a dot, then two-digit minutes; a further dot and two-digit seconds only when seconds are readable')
5.06
